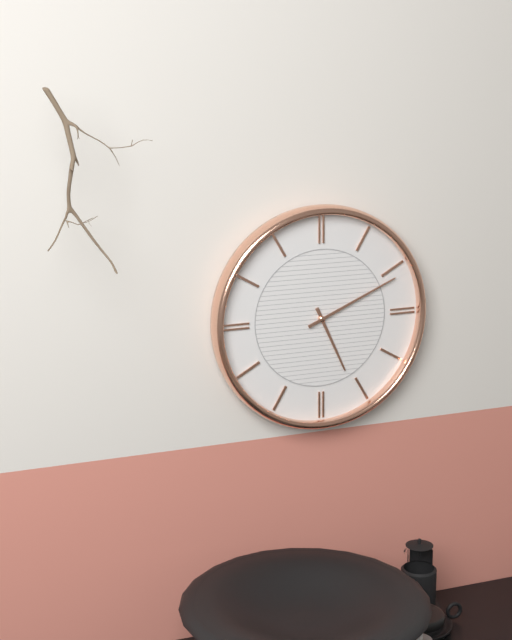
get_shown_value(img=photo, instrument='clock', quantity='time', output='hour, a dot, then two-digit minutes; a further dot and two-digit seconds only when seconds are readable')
5.11
